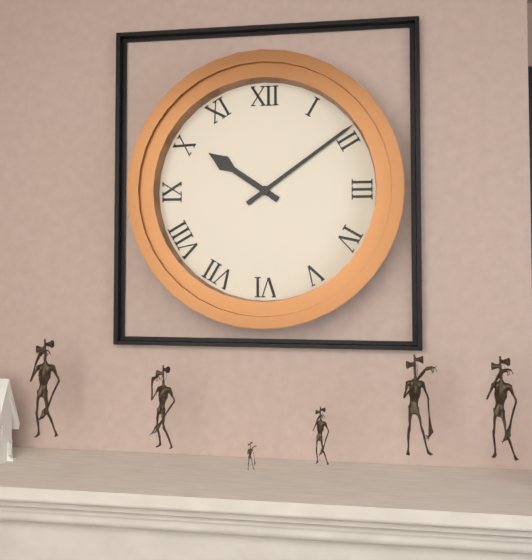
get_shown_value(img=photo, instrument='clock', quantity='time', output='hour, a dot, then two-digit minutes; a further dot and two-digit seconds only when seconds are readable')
10.09
